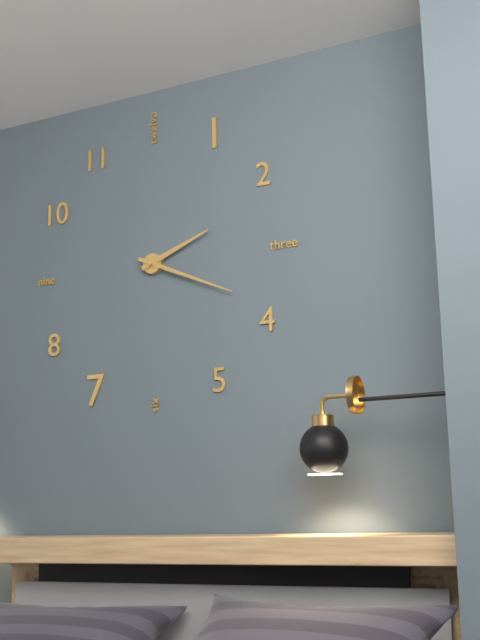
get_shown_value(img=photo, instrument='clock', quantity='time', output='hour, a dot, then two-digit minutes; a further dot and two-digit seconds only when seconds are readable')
2.19
